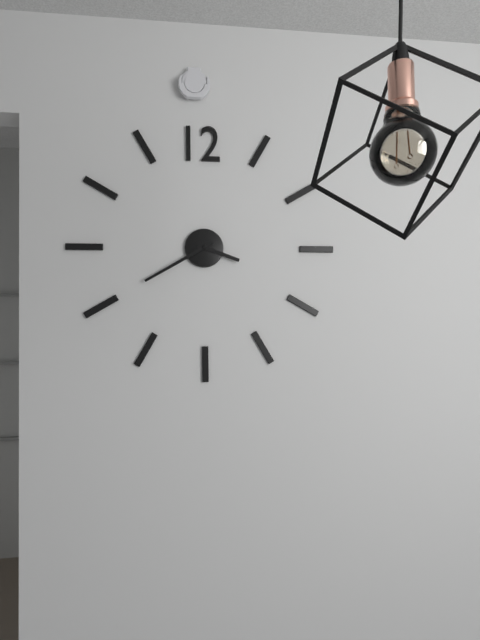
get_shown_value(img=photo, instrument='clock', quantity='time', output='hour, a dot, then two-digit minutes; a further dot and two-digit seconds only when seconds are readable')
3.40
